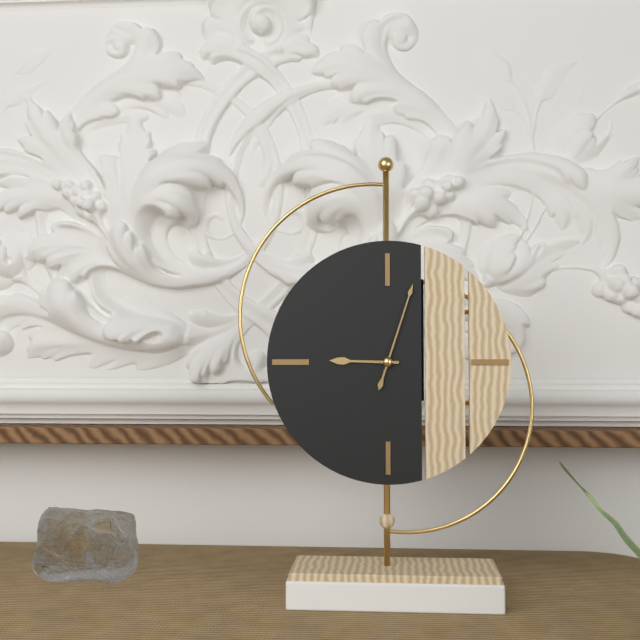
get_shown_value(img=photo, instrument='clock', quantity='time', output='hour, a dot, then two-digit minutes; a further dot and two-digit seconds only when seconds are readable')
9.03
